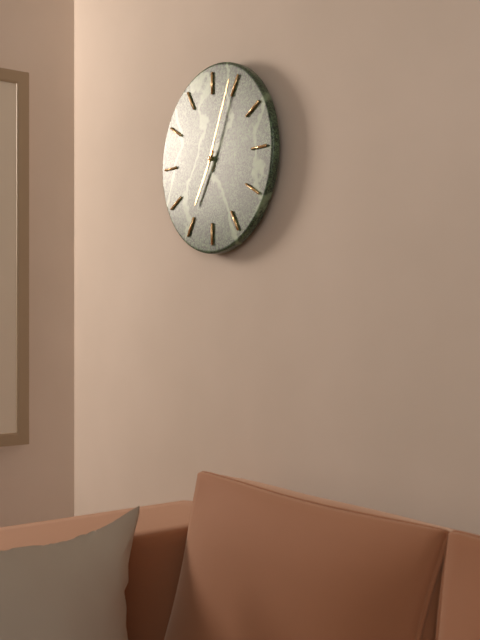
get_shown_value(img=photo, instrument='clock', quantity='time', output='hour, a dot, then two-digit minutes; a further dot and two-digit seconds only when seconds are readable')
7.04
